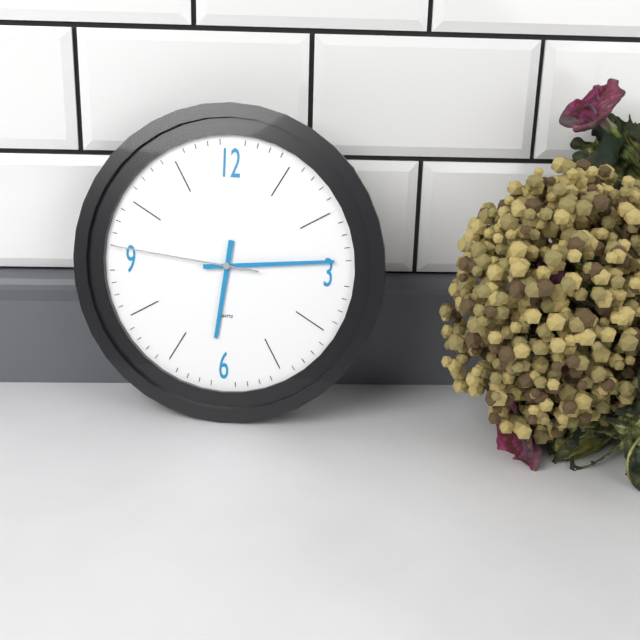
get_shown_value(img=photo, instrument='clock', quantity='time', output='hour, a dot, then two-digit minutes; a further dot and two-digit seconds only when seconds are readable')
6.14.46
